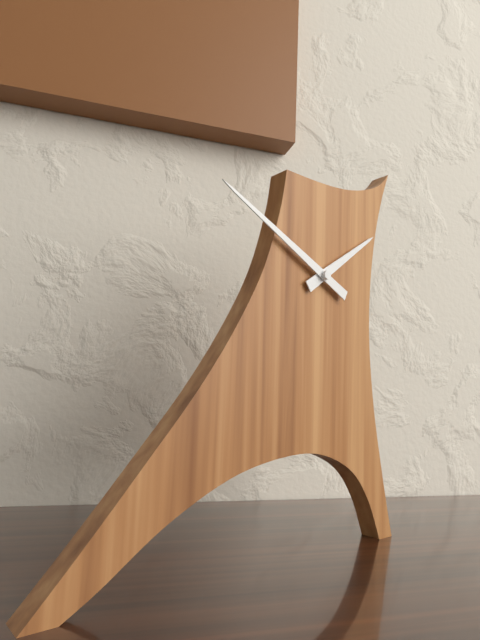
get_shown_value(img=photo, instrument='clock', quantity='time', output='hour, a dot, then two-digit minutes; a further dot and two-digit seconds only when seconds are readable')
1.49
